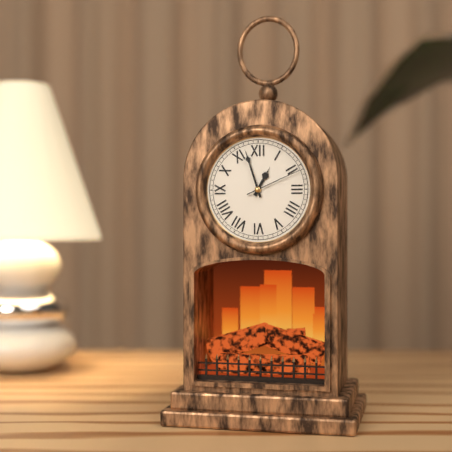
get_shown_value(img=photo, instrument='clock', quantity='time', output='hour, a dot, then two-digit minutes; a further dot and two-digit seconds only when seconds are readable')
12.57
